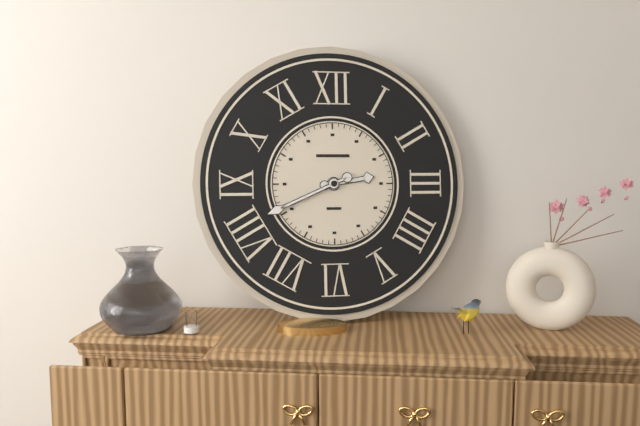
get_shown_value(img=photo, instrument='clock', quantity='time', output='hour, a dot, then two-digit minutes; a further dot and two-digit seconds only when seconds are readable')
2.41
